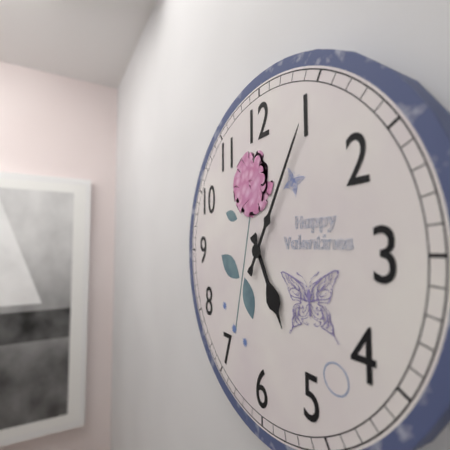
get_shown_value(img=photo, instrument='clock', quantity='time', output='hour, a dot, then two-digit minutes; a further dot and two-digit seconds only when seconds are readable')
5.05
